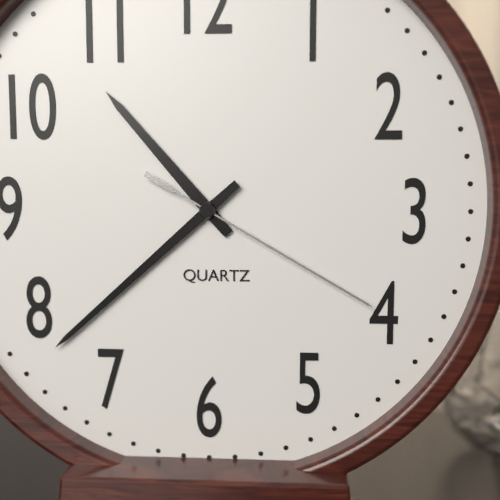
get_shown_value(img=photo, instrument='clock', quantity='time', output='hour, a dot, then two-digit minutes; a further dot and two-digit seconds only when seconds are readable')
10.38.20
